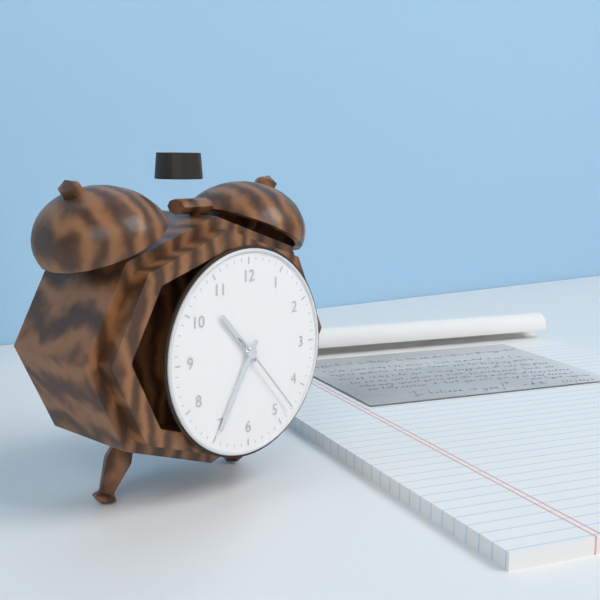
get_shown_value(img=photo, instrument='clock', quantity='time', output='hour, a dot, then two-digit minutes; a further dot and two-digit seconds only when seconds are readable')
10.35.23
